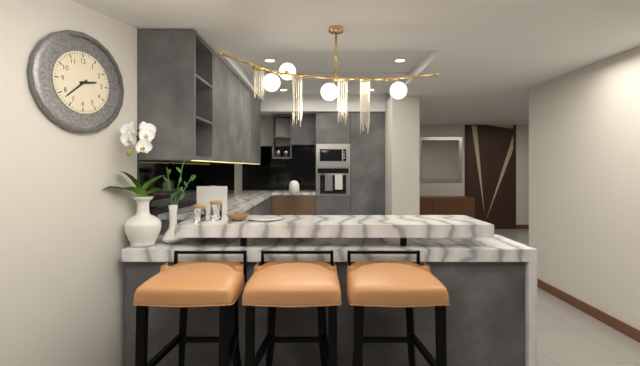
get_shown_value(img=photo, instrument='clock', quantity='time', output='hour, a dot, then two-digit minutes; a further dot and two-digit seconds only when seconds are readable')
2.38
